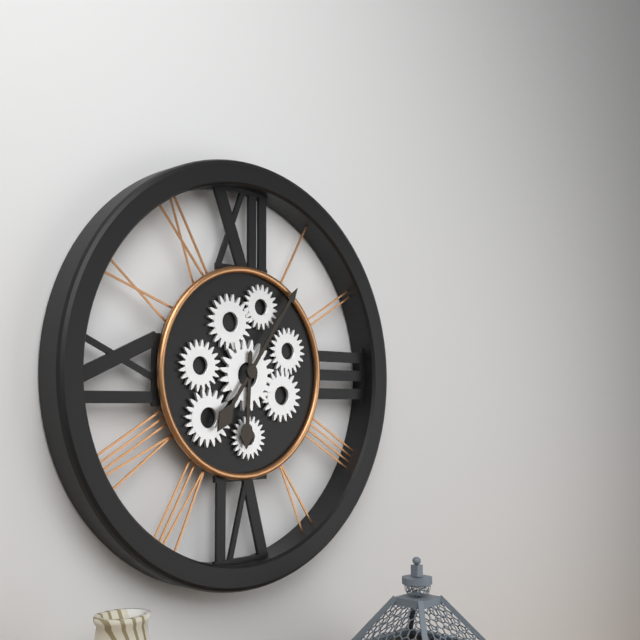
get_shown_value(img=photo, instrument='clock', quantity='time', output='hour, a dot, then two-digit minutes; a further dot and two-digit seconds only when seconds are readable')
6.06
